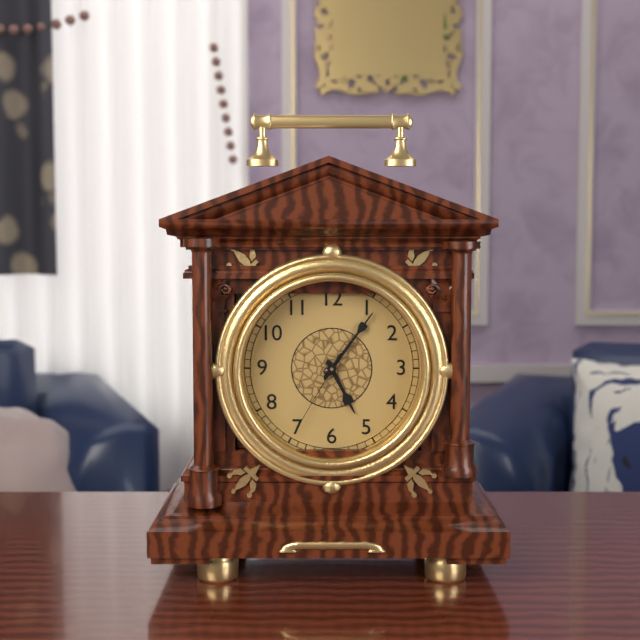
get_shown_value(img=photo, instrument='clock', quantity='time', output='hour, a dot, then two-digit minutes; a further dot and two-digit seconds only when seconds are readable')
5.06.35
